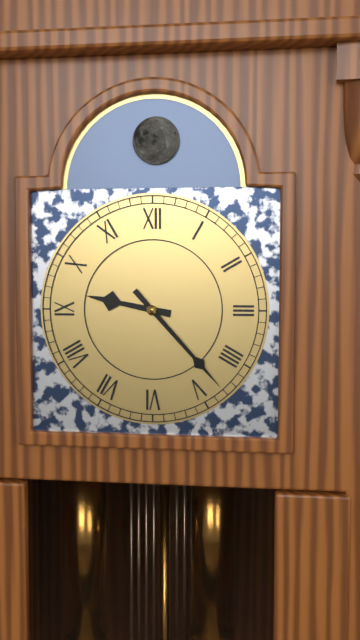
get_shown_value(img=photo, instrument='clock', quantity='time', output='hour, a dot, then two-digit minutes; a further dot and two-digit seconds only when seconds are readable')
9.23
